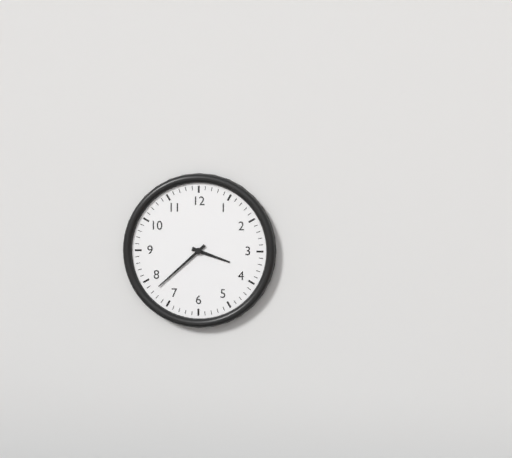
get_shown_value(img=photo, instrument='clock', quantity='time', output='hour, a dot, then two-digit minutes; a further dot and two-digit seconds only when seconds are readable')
3.38
